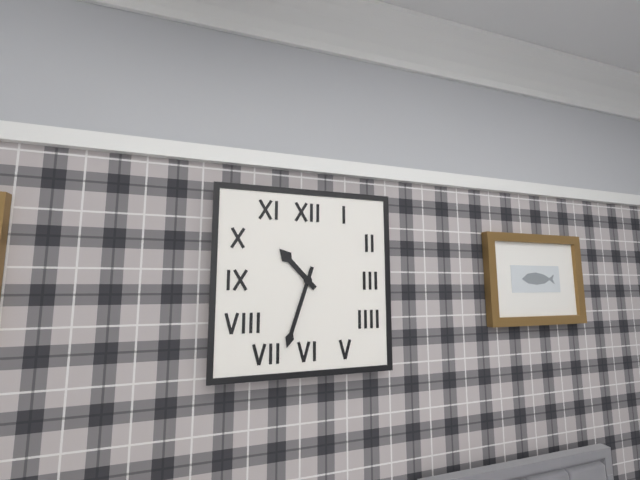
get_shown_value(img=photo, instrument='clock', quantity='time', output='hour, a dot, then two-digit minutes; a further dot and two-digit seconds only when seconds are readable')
10.33
